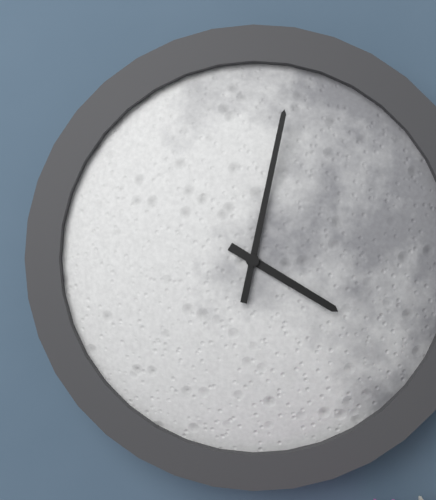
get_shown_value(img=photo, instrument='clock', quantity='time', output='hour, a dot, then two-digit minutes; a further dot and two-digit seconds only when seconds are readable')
4.02
